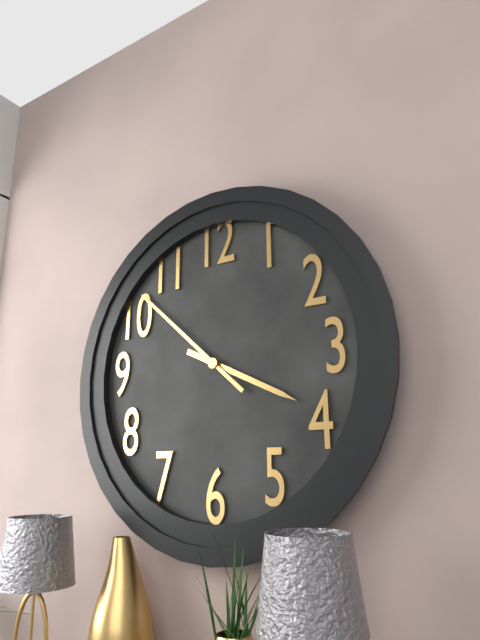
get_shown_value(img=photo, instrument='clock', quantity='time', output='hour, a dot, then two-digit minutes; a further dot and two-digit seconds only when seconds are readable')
3.52
